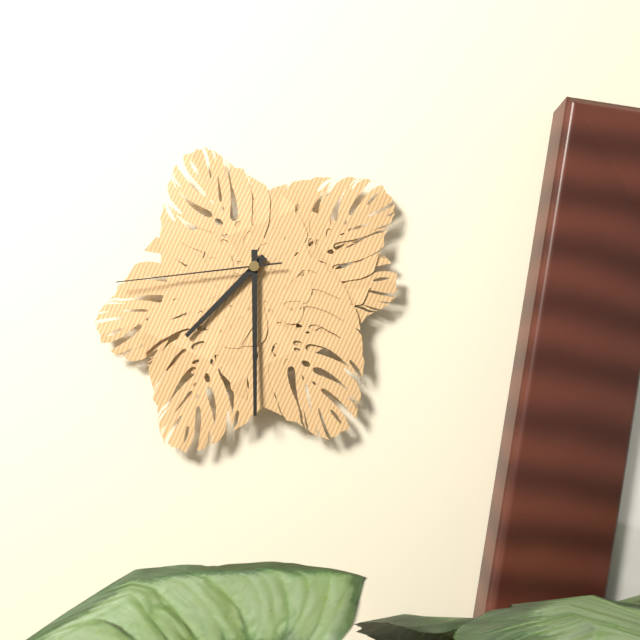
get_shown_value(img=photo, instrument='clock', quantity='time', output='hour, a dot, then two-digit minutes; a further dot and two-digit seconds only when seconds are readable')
7.30.44
